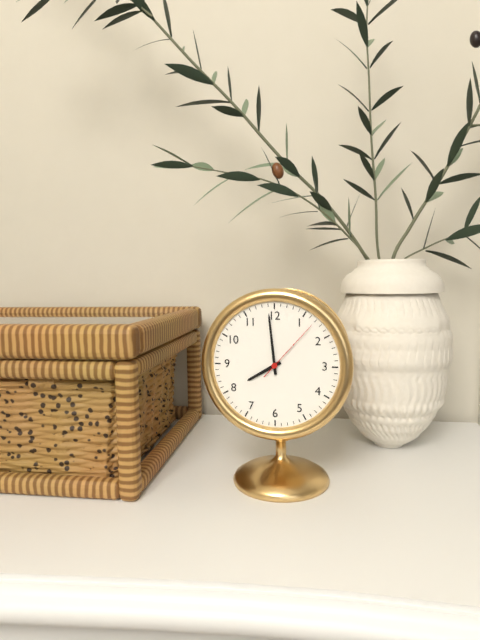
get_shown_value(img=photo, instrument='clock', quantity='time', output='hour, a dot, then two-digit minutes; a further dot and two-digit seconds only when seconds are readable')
7.59.07
